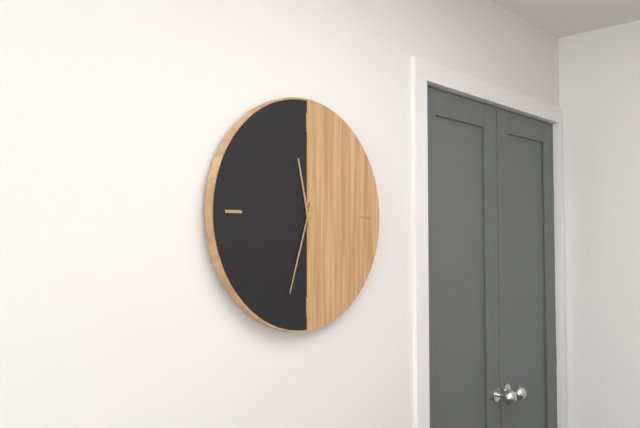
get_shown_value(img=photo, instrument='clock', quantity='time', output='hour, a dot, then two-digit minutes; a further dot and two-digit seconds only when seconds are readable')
11.33
